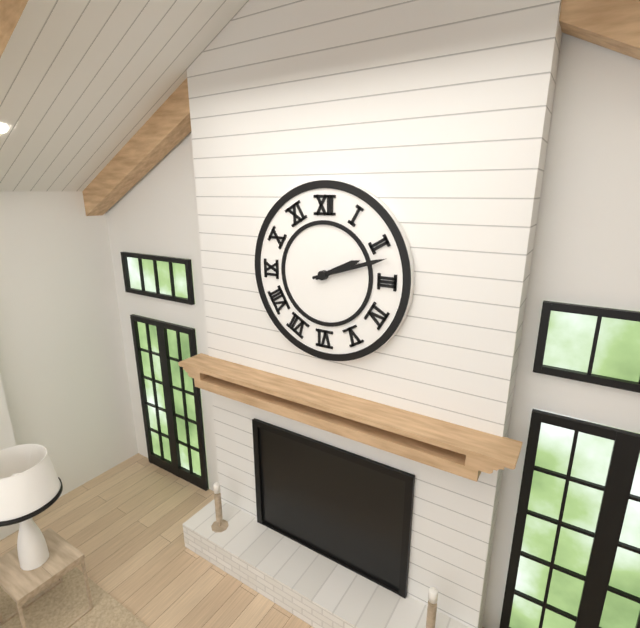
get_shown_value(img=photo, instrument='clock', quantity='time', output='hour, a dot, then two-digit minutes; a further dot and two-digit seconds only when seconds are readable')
2.12
